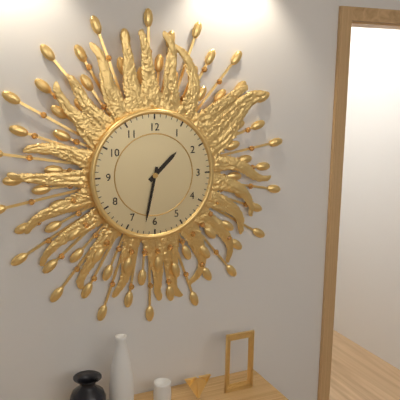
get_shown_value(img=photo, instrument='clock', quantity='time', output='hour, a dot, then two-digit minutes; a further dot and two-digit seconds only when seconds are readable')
1.32
